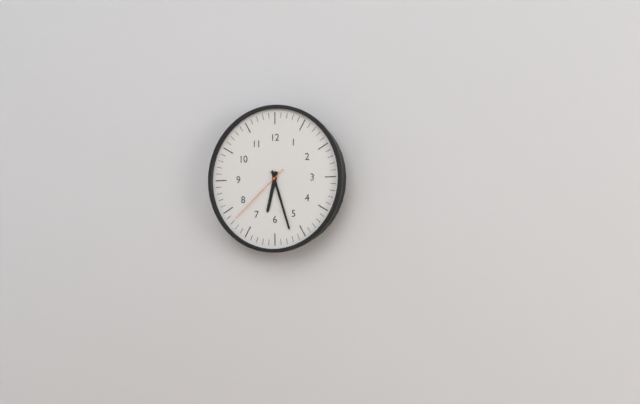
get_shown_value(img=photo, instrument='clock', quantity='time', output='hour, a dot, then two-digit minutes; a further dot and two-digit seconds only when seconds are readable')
6.27.38
